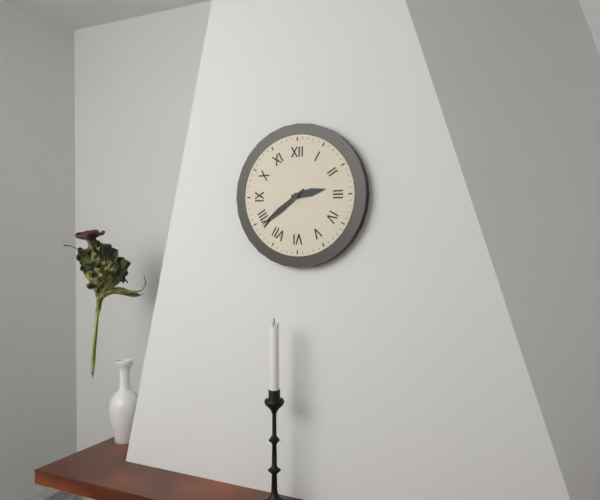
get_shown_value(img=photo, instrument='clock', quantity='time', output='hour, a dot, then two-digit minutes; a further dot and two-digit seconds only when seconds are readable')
2.39
